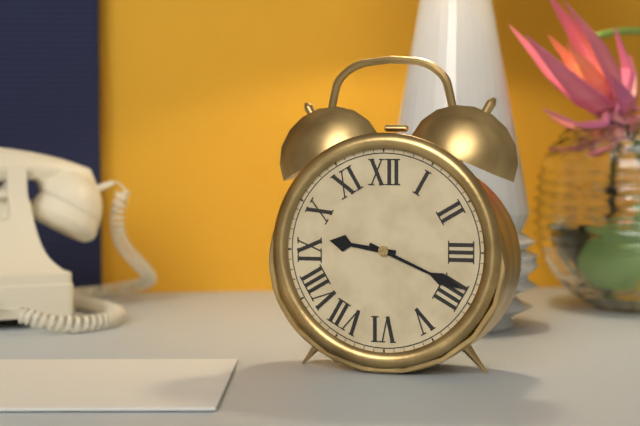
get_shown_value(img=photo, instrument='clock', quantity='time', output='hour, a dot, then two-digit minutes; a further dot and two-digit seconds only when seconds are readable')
9.19
